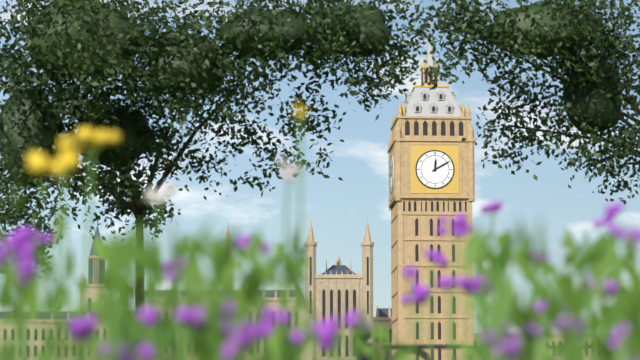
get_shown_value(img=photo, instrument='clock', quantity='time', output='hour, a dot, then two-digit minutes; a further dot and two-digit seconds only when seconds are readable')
12.10
